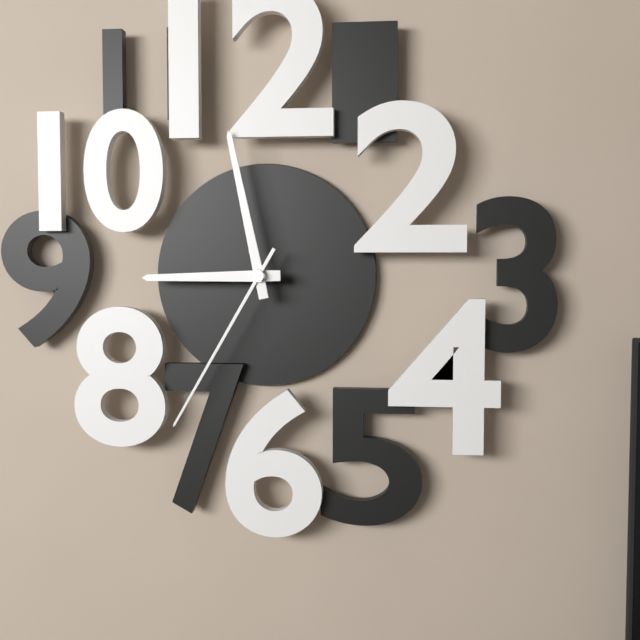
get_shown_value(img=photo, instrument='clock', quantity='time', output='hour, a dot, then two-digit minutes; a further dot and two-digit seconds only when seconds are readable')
8.58.35
